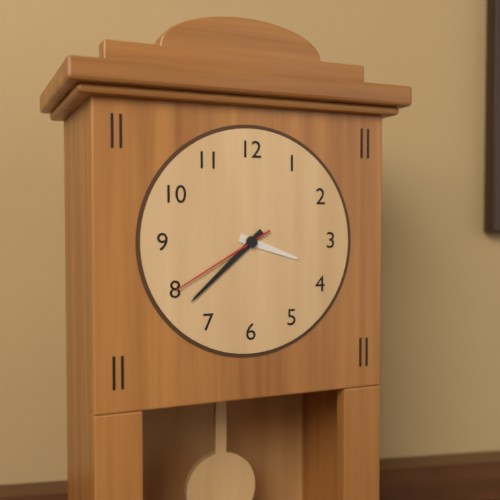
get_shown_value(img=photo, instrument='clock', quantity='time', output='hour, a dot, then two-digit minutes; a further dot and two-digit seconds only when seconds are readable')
3.38.40
